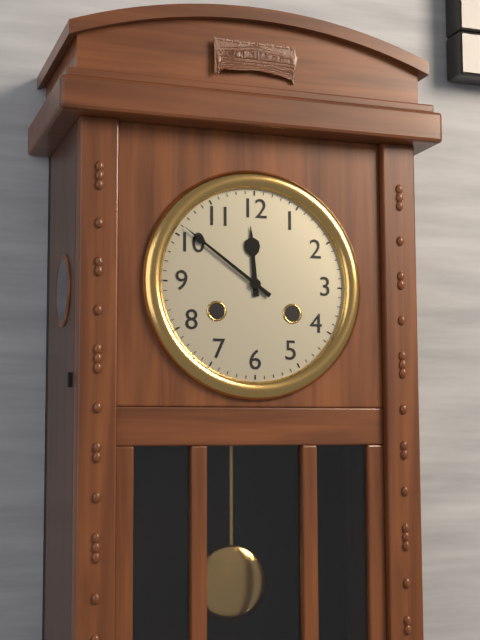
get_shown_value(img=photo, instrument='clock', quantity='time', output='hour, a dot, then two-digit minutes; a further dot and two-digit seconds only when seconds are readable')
11.51
